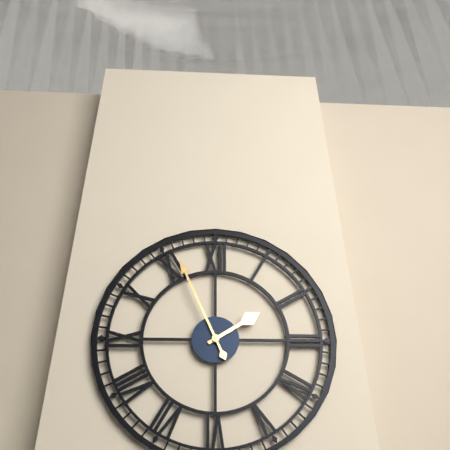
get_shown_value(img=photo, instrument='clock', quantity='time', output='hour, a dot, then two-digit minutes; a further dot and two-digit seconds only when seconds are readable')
1.56
